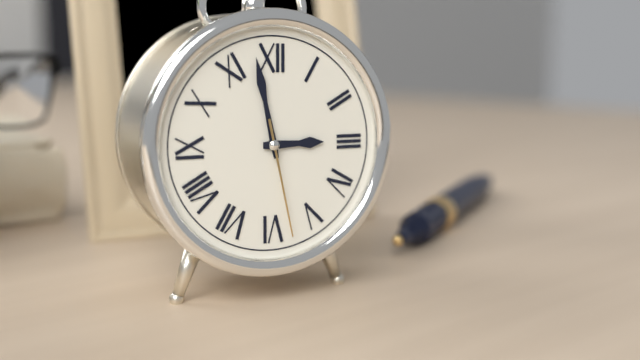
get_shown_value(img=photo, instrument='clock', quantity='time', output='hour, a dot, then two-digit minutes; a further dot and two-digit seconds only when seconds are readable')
2.58.28
